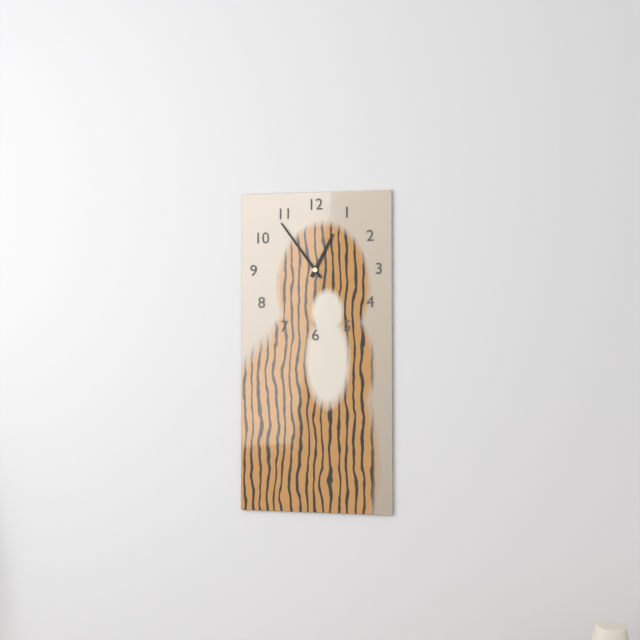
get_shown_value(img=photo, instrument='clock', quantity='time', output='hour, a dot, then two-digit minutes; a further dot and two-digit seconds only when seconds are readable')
12.54
